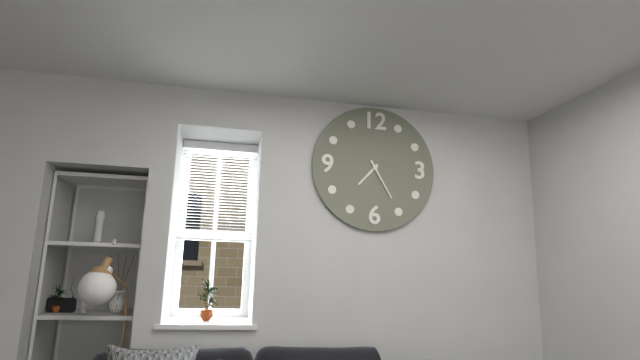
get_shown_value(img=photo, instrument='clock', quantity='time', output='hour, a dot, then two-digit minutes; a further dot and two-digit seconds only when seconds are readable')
7.25
